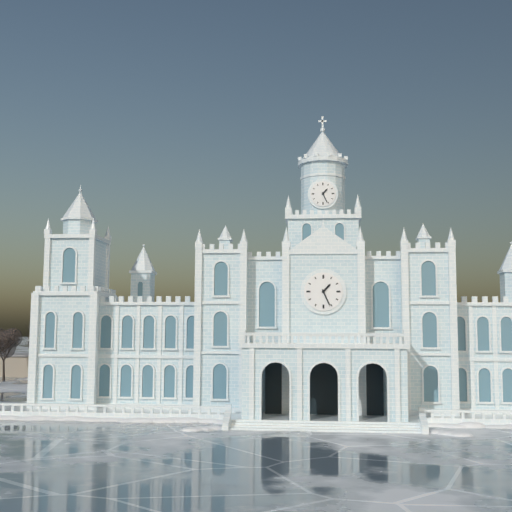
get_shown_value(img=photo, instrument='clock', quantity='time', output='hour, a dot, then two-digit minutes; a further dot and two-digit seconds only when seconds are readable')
1.26
